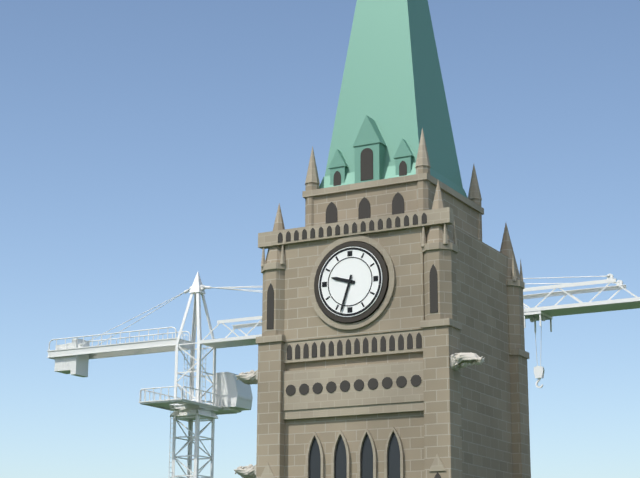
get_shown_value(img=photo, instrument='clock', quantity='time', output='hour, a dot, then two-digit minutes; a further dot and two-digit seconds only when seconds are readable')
9.33
